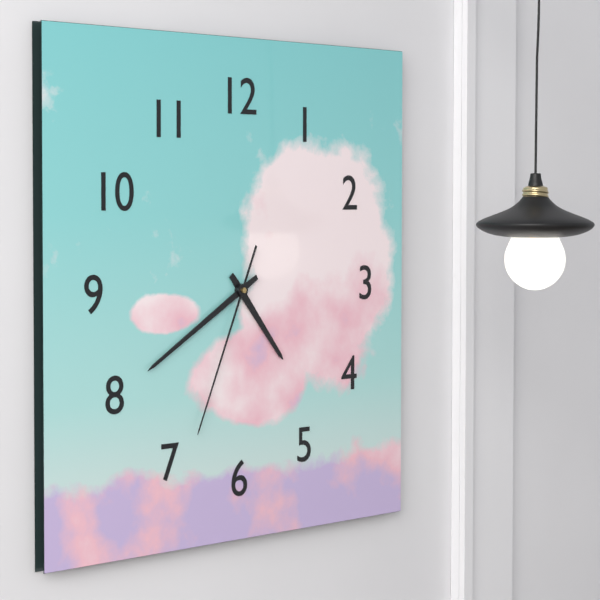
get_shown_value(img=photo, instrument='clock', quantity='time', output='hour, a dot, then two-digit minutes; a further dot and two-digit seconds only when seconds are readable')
4.40.34
